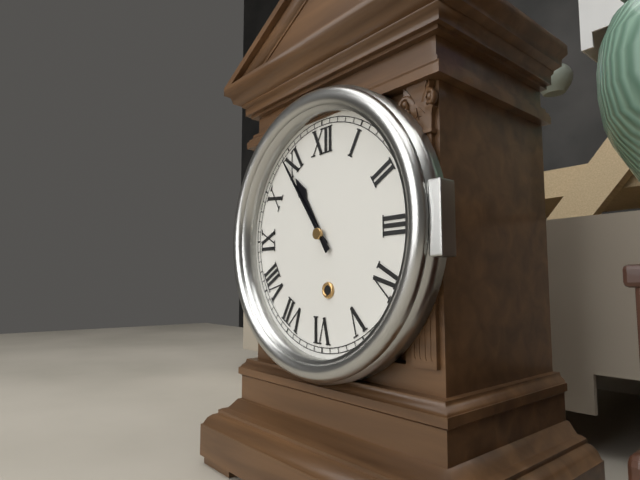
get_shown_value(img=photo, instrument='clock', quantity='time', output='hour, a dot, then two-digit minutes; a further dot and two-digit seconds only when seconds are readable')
10.54
